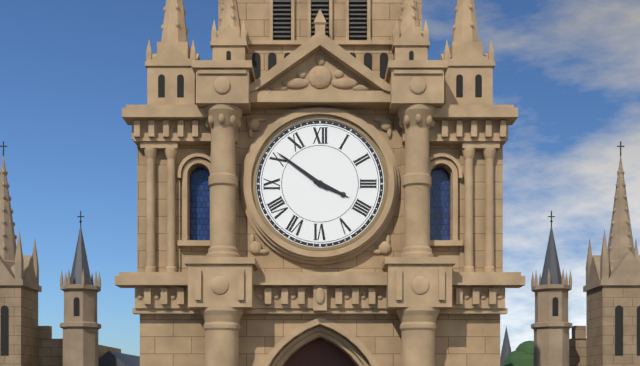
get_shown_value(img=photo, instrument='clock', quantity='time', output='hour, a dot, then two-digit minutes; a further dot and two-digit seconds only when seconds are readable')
3.51
